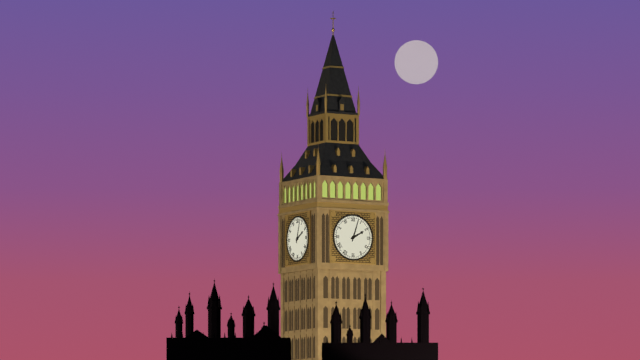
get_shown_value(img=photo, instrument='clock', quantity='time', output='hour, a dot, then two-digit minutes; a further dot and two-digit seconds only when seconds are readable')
2.03
